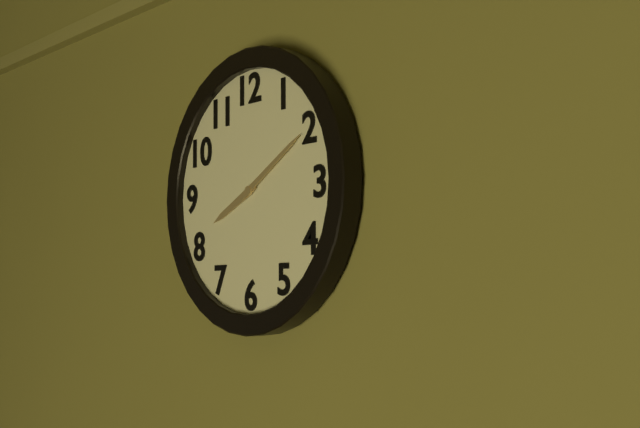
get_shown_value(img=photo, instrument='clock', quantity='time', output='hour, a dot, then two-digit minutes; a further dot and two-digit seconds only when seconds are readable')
8.10
